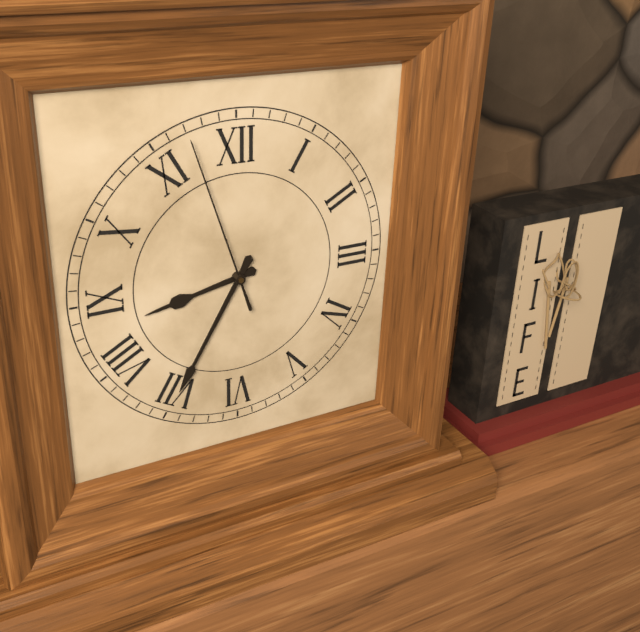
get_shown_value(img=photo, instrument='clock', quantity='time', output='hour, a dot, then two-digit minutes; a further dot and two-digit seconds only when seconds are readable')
8.35.57
